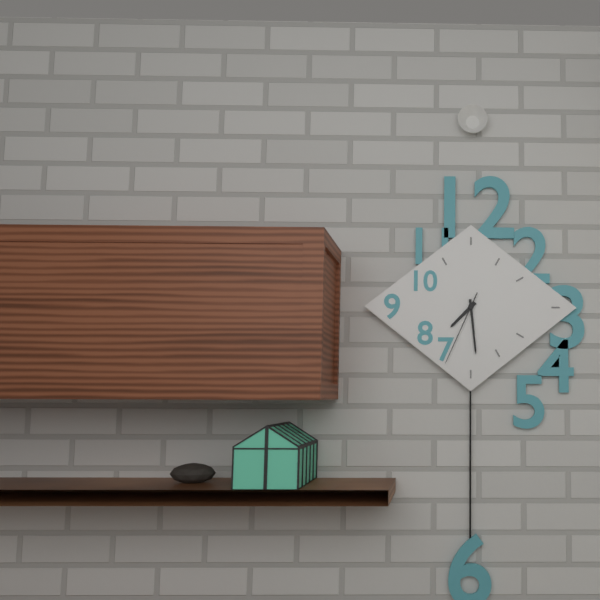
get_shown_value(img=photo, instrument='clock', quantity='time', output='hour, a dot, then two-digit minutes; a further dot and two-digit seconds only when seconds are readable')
7.29.34
